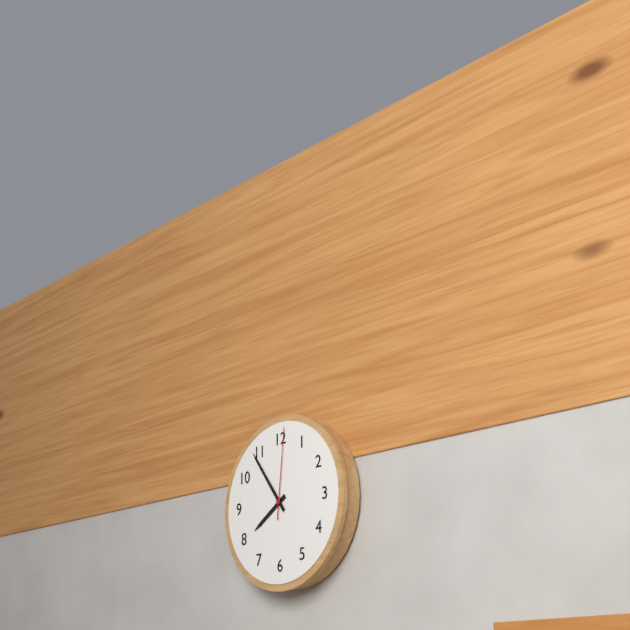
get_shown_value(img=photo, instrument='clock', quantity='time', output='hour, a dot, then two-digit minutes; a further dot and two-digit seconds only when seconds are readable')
7.54.01
